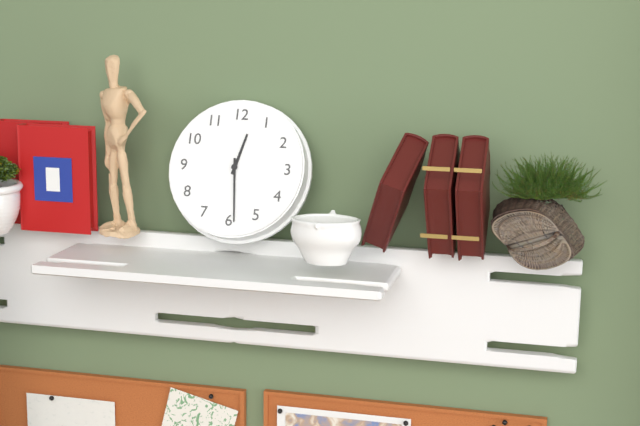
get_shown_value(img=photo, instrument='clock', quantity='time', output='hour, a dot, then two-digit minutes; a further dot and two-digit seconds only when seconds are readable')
12.29
